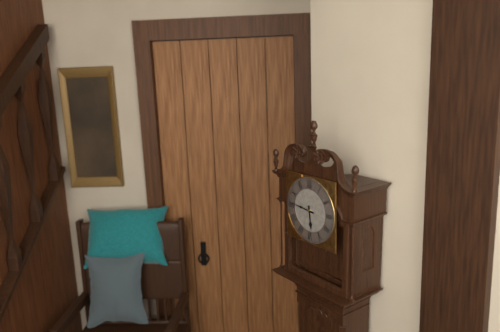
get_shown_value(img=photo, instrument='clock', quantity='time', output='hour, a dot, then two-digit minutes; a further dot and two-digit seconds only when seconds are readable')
5.46
